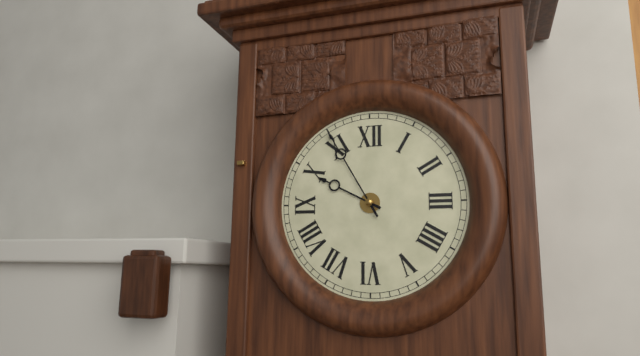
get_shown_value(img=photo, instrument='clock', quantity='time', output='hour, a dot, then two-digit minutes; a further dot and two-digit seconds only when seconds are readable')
9.55
